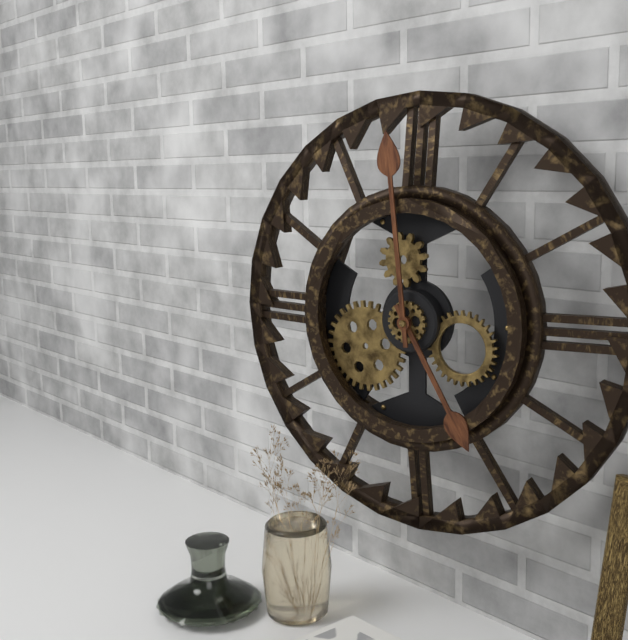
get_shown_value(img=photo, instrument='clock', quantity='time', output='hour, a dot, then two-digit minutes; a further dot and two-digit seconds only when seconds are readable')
4.59
